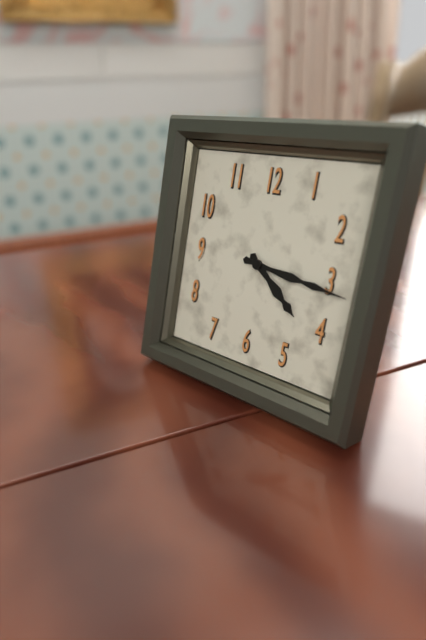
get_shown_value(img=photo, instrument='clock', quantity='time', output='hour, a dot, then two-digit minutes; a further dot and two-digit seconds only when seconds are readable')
4.16
